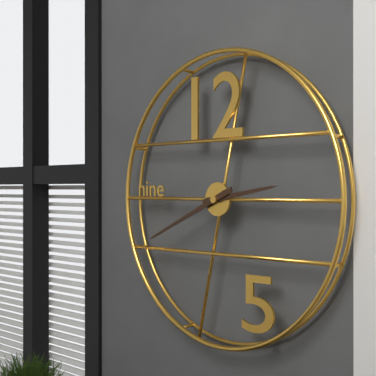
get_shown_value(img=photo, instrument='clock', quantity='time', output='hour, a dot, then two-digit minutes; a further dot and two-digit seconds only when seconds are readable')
2.41
